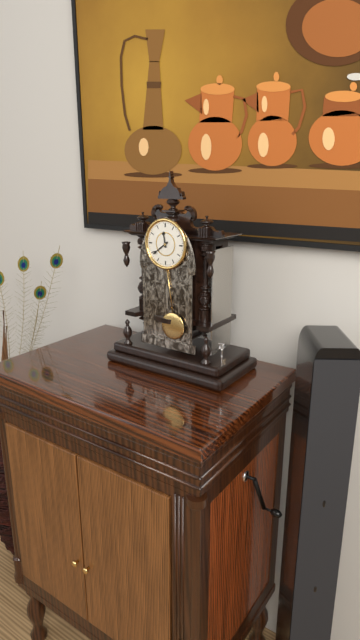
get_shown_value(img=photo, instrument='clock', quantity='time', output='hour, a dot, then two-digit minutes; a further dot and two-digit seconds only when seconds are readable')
11.39
